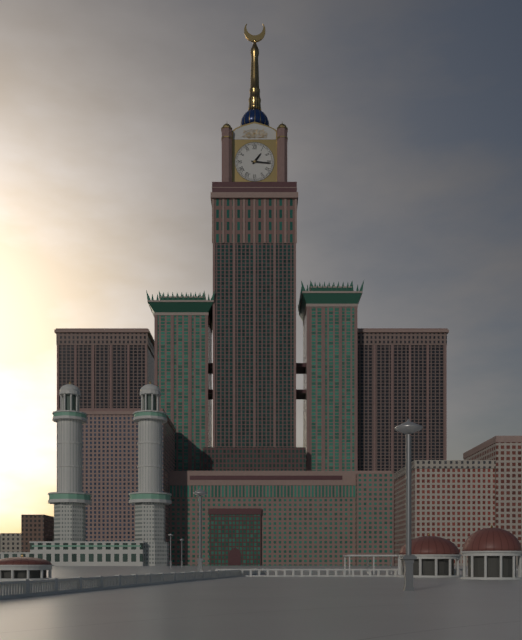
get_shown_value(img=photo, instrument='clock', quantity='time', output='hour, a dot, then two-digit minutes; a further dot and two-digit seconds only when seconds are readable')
1.16
